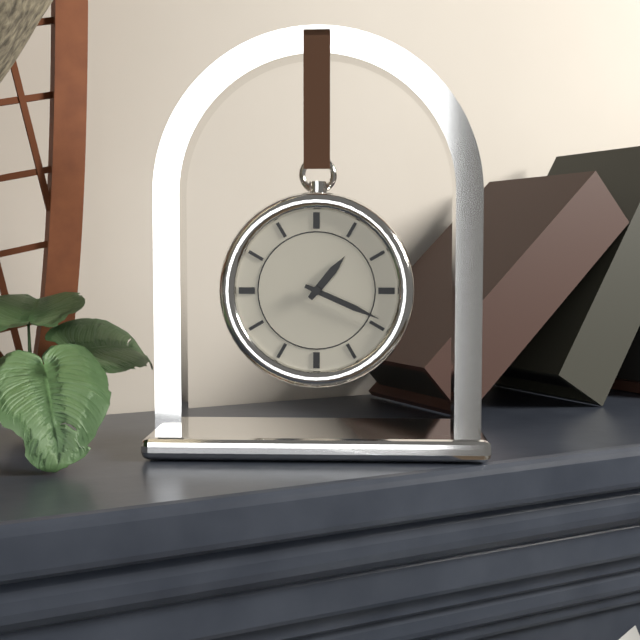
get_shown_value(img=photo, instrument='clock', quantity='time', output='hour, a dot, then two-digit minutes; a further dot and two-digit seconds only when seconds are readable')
1.19
